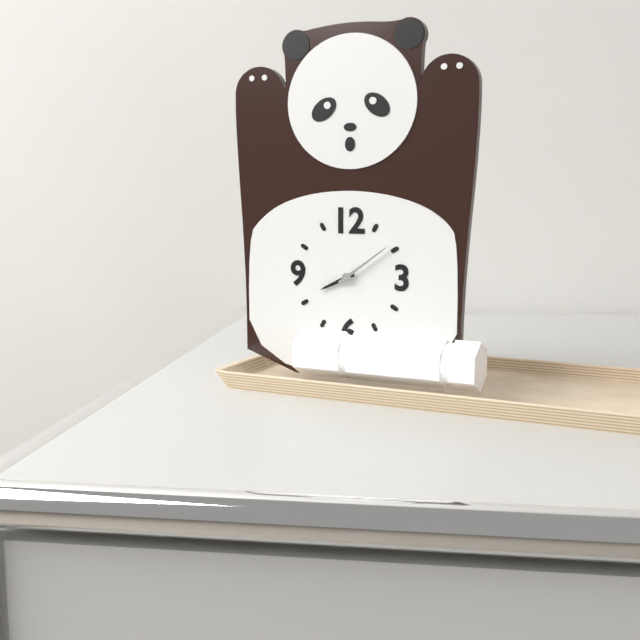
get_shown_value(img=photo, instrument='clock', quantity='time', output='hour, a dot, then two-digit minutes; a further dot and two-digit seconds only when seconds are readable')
8.09
